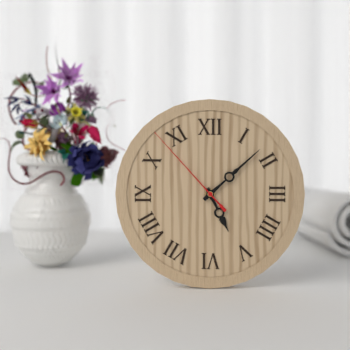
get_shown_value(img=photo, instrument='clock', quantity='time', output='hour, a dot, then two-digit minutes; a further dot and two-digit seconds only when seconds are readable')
5.08.53
